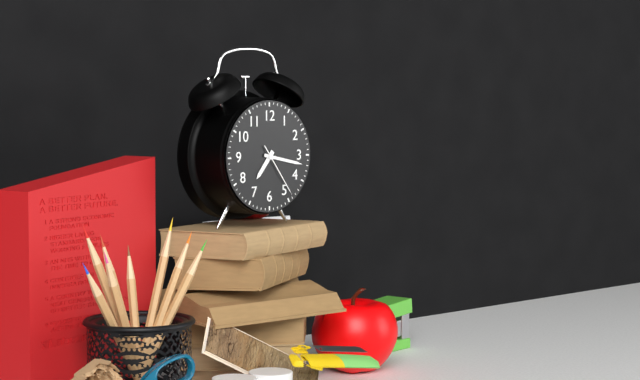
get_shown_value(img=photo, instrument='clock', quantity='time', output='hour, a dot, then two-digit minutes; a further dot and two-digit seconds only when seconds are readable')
7.17.24
